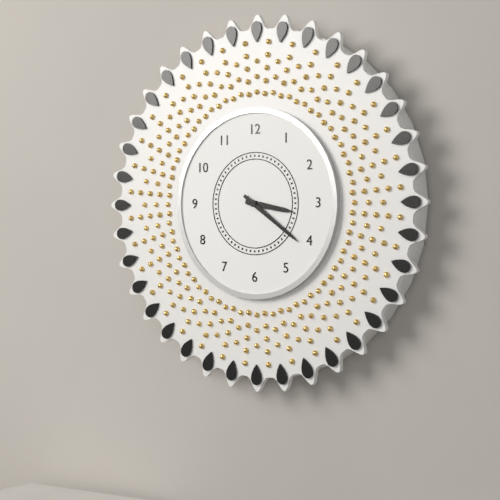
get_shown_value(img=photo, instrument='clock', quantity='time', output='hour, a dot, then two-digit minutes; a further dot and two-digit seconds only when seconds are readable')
3.21
